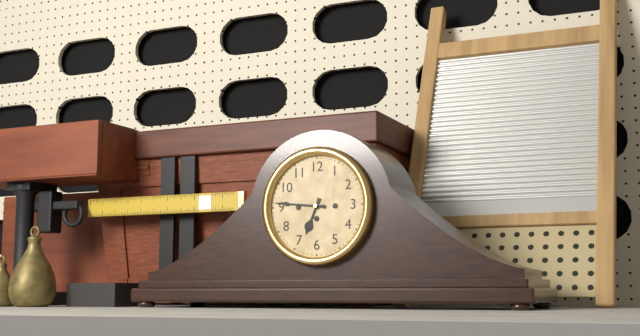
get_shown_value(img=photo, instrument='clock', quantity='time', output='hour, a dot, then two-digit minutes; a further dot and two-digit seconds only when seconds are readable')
6.46
